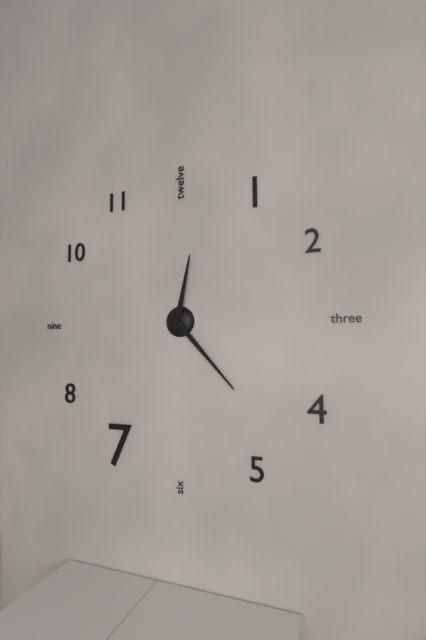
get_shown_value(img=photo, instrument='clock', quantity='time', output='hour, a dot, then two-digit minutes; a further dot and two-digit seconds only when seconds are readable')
12.23
